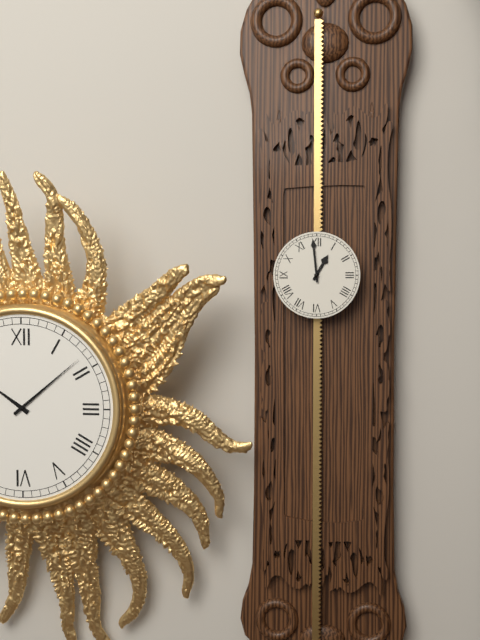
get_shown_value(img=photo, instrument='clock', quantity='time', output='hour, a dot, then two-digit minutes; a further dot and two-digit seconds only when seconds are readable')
12.59
